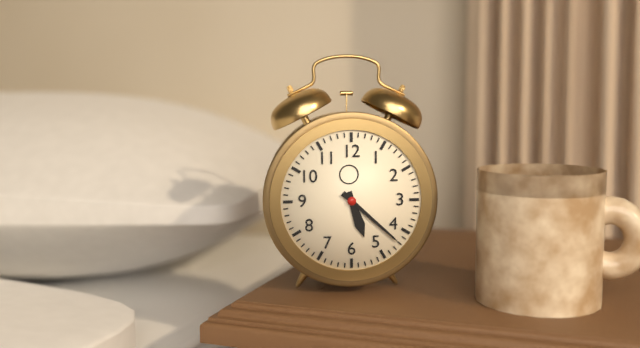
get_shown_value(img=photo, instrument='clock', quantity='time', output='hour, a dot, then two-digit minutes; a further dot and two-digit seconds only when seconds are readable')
5.22
